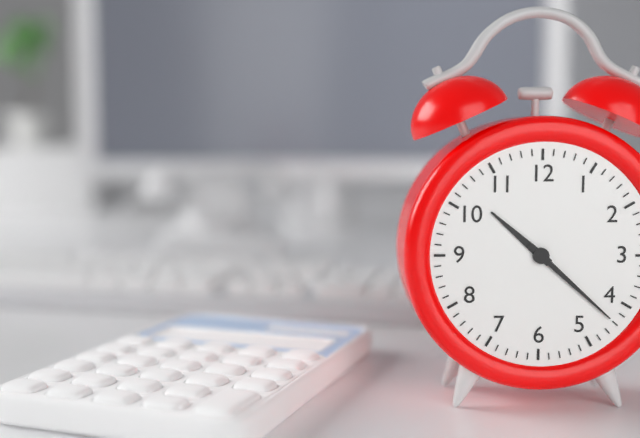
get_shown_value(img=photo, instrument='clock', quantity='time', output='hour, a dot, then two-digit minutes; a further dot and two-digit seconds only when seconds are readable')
10.22
